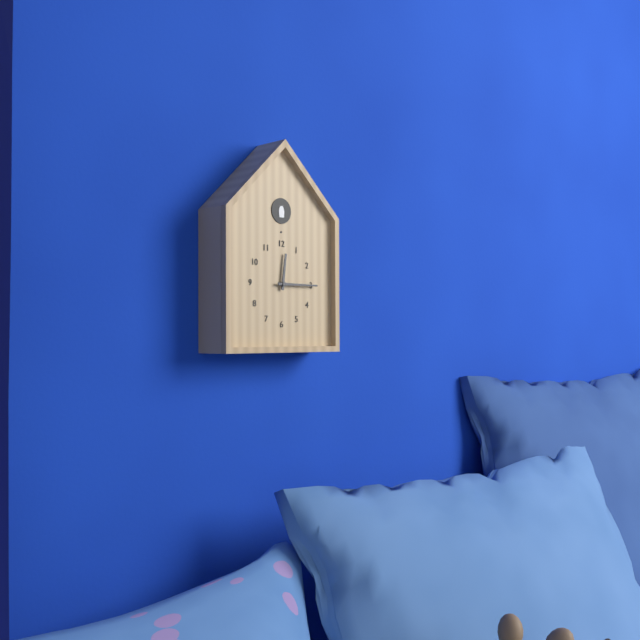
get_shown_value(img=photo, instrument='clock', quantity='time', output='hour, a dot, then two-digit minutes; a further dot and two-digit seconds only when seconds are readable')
12.15
